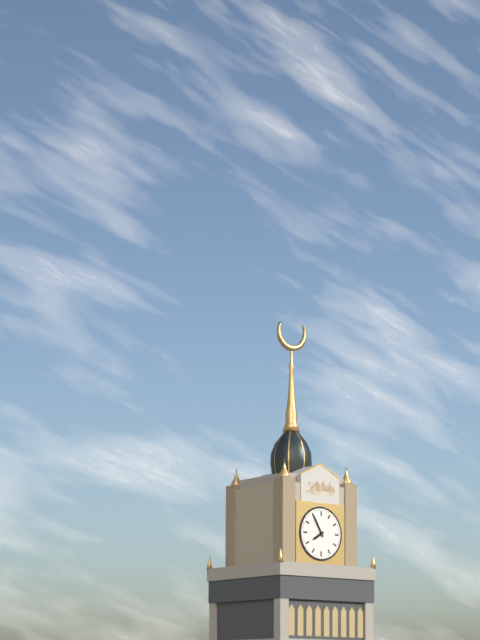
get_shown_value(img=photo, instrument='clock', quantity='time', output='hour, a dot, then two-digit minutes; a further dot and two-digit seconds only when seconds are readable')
7.55
